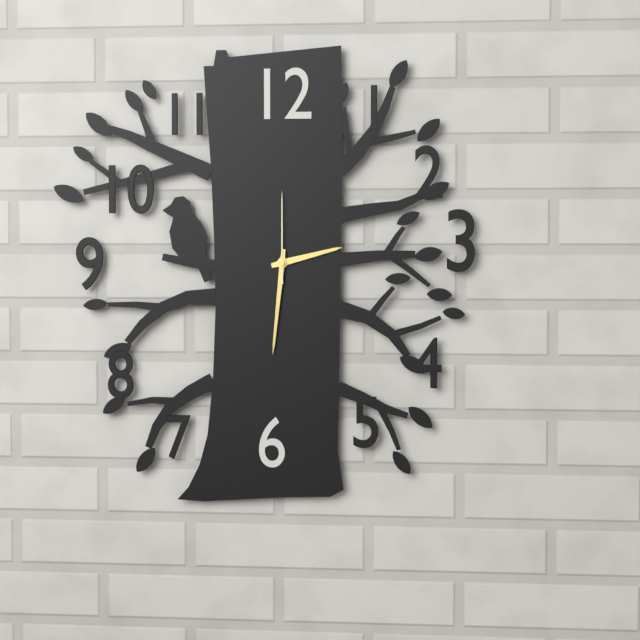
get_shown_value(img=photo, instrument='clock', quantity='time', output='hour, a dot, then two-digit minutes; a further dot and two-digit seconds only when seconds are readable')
2.31.00
